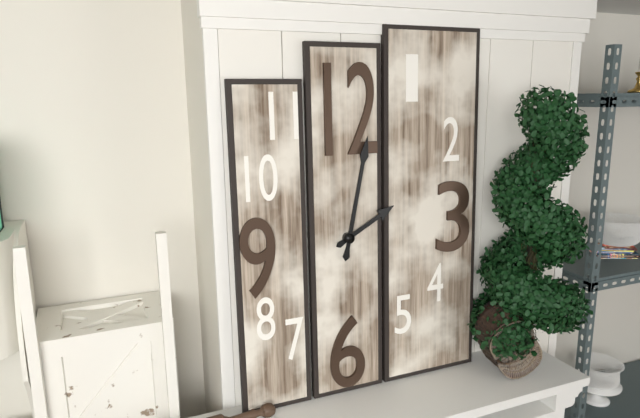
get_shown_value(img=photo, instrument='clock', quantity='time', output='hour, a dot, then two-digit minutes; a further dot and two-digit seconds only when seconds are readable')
2.02
